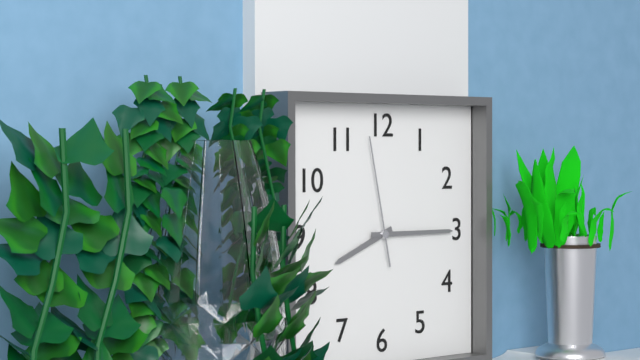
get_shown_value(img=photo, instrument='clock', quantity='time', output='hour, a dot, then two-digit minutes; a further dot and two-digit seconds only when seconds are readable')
8.15.58
